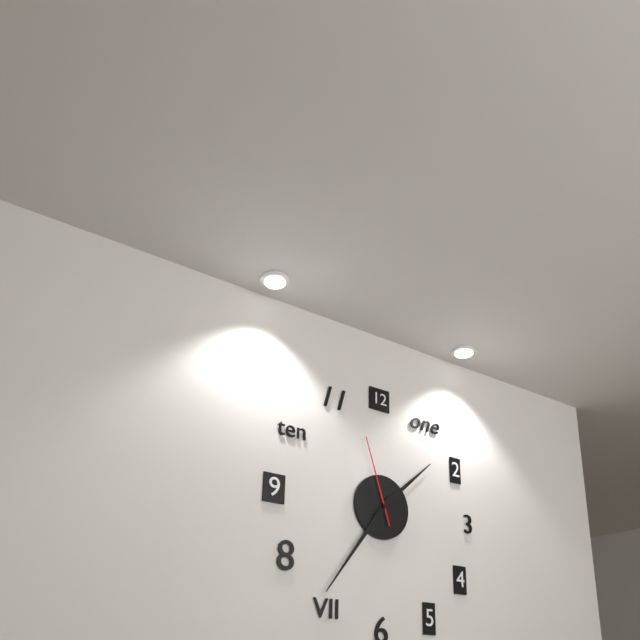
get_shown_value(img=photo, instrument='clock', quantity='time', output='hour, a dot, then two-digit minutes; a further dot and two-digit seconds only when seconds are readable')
1.36.57
